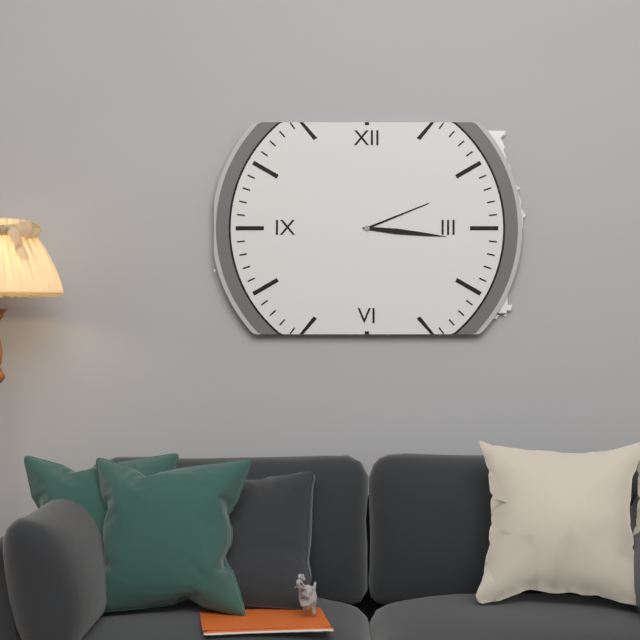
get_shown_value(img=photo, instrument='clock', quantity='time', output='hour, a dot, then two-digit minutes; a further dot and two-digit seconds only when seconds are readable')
2.16
